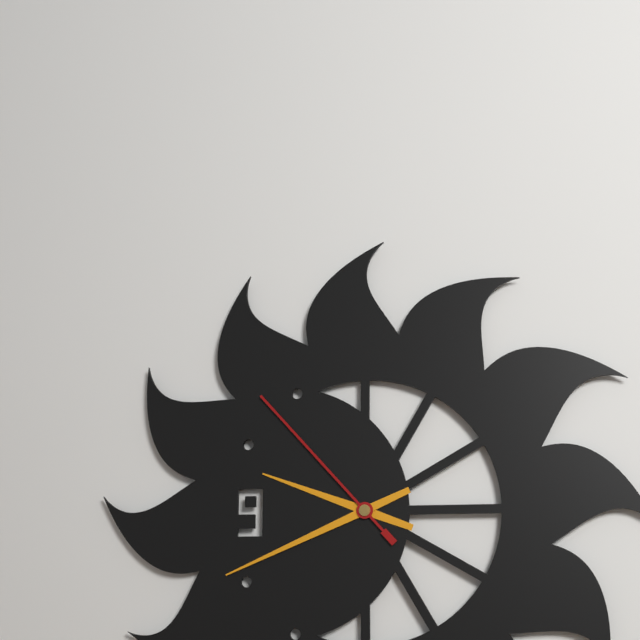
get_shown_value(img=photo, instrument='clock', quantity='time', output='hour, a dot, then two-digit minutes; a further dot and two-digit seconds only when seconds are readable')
9.41.53
